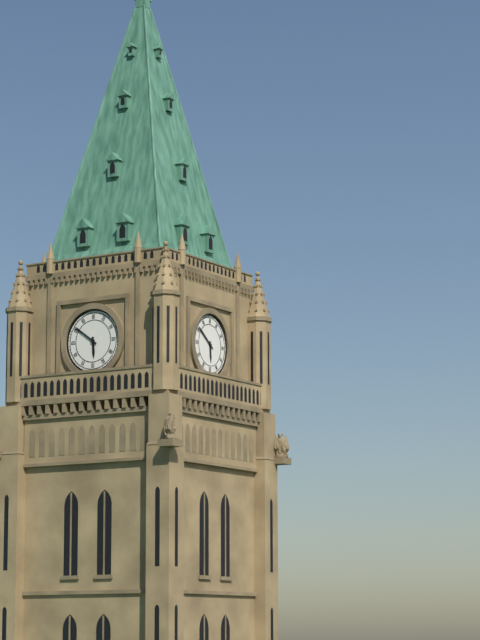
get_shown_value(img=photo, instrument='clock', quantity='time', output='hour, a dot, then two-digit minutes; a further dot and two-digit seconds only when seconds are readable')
5.51
